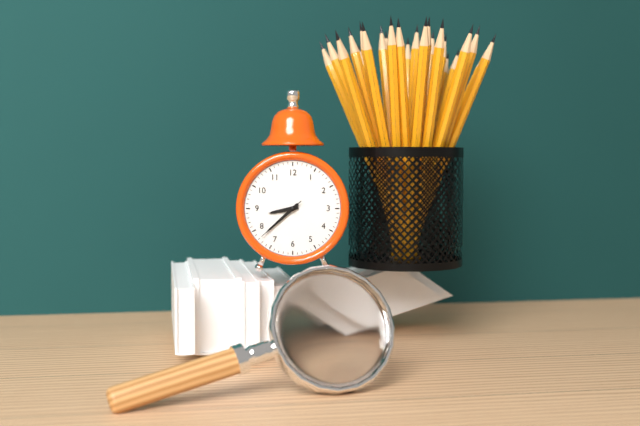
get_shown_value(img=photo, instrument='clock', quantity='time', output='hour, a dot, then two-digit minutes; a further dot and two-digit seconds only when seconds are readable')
8.38.38
